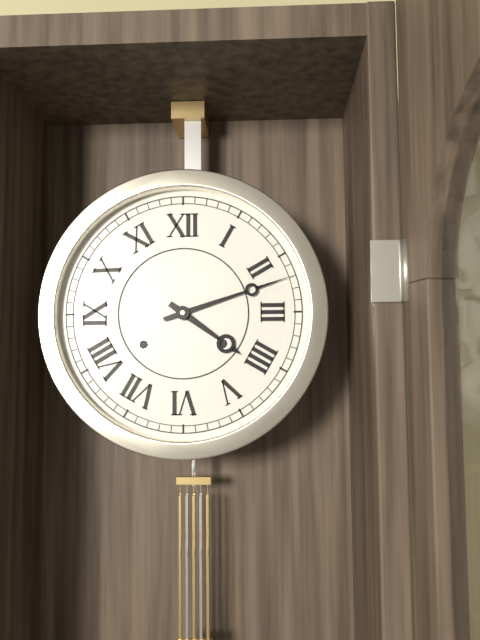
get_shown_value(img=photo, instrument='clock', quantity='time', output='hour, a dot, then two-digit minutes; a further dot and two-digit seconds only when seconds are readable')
4.12
